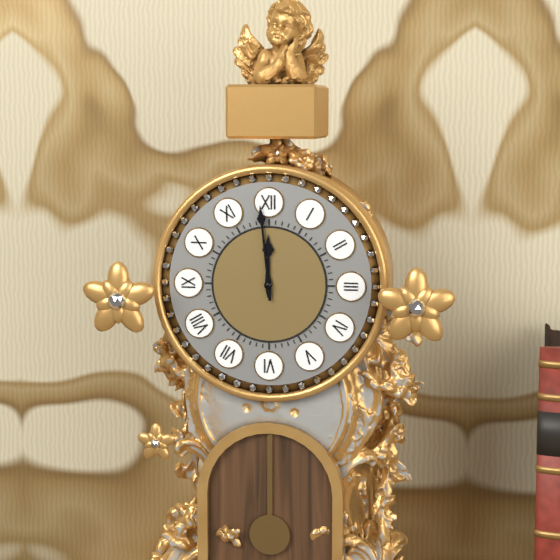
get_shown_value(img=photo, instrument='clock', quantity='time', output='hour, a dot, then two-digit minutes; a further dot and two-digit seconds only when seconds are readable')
11.59
